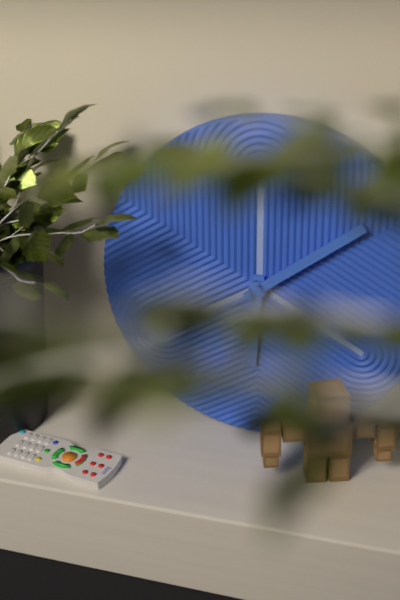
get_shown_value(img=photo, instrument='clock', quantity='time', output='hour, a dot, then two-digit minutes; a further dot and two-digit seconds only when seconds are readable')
6.09
